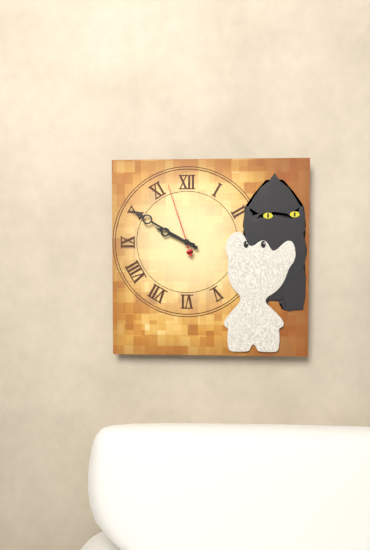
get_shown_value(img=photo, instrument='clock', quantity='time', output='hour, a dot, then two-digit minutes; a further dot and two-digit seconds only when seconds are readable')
9.50.57
